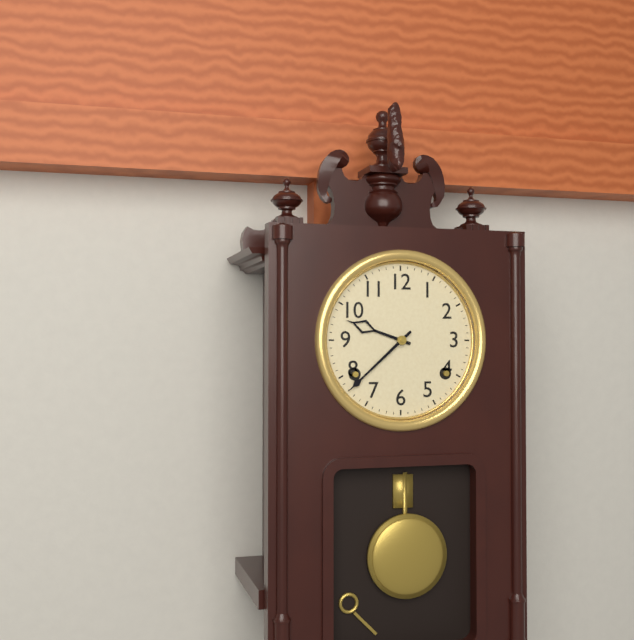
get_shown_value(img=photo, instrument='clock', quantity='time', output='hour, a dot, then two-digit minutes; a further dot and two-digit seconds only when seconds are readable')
9.38
